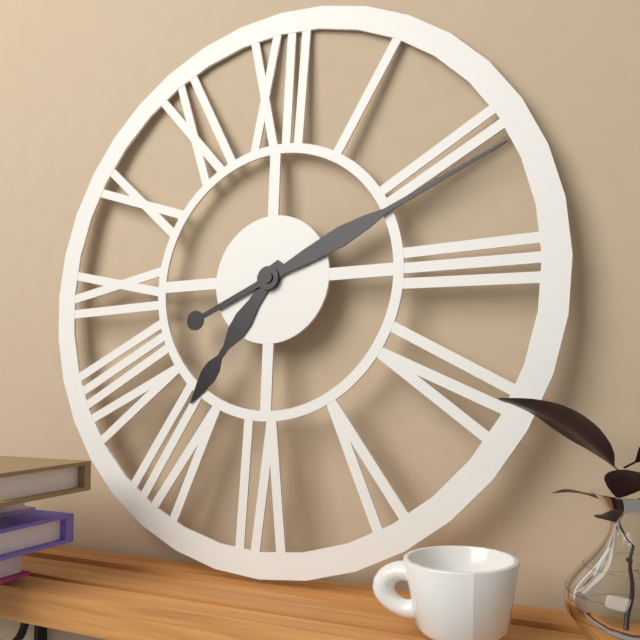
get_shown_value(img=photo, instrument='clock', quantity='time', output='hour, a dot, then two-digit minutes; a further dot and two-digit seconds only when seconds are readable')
7.11
